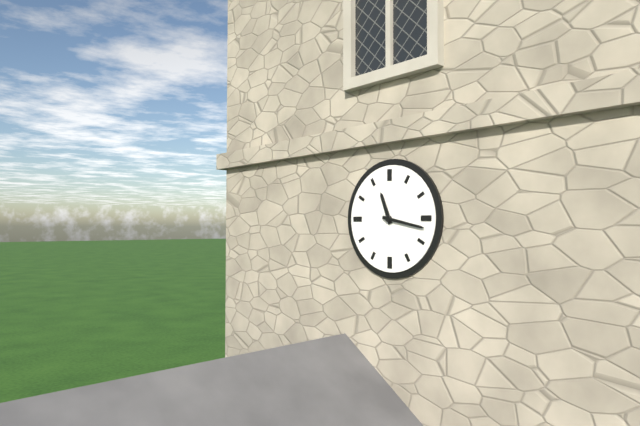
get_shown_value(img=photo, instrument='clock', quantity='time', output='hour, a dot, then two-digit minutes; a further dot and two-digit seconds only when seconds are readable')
11.17
